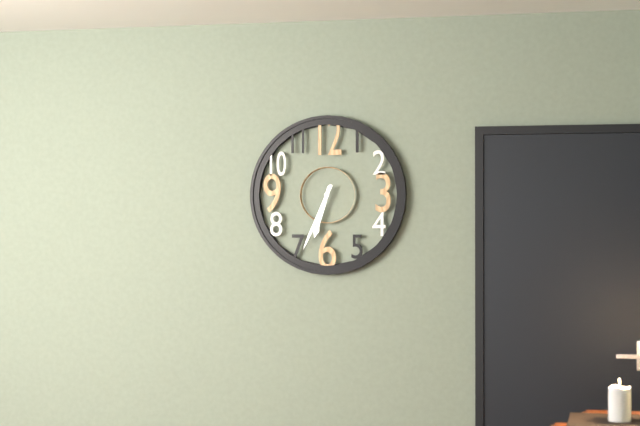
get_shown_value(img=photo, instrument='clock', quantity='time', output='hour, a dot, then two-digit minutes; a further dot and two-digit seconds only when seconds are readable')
6.34
